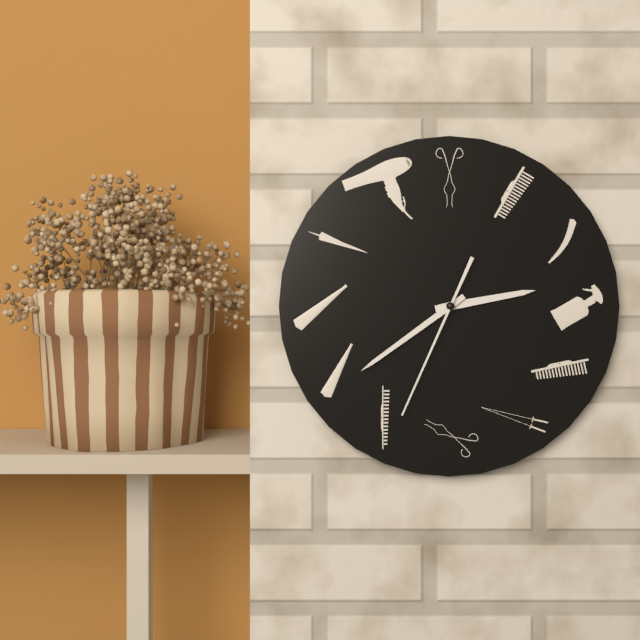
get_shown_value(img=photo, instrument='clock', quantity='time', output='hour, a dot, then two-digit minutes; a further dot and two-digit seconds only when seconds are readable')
2.39.34
